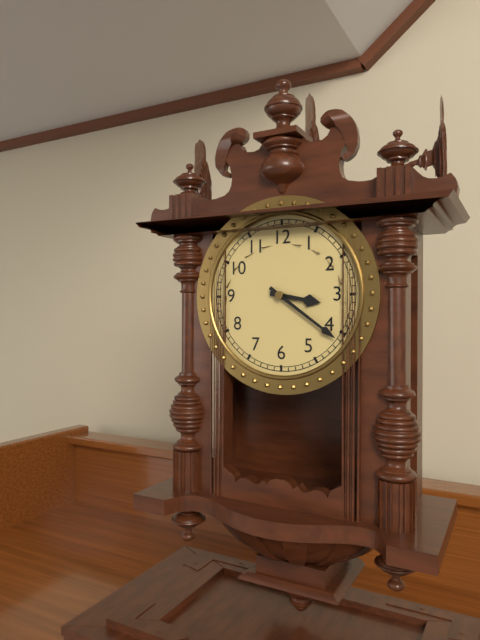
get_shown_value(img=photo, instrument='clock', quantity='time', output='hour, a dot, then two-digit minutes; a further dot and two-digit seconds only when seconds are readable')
3.21
